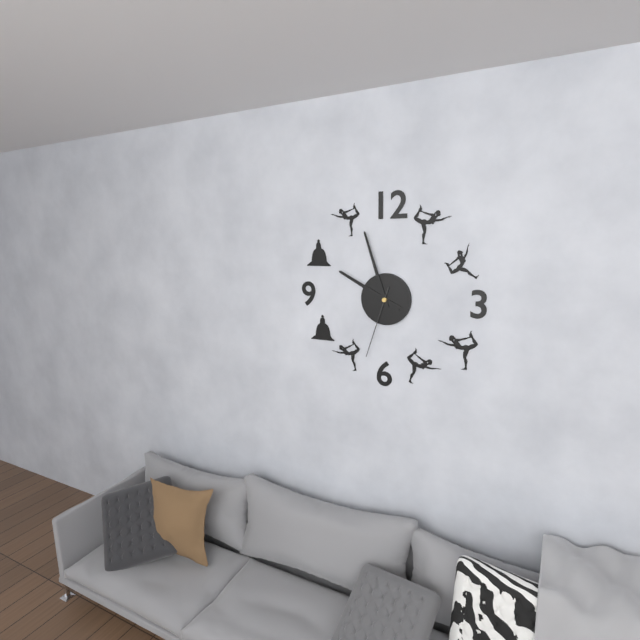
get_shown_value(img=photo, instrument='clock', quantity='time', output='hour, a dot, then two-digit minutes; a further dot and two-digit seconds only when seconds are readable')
9.57.33
